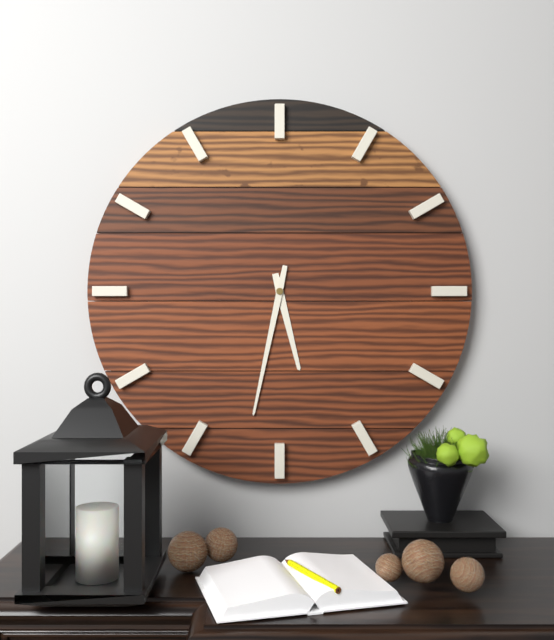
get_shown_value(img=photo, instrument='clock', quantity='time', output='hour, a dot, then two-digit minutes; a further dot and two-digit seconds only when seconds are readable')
5.32
